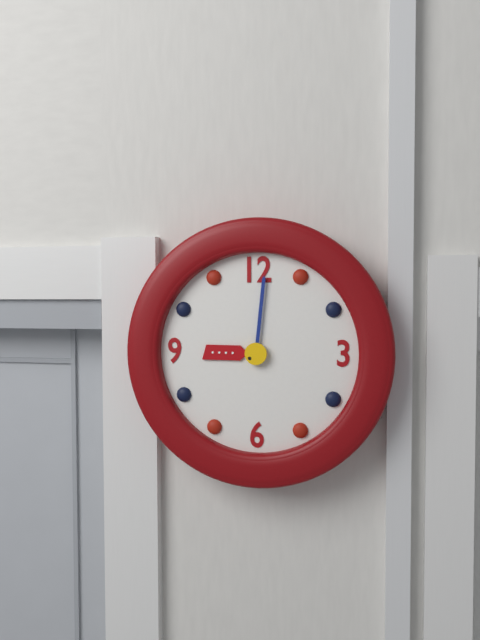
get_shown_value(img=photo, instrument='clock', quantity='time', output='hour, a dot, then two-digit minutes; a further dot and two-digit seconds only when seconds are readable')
9.01
